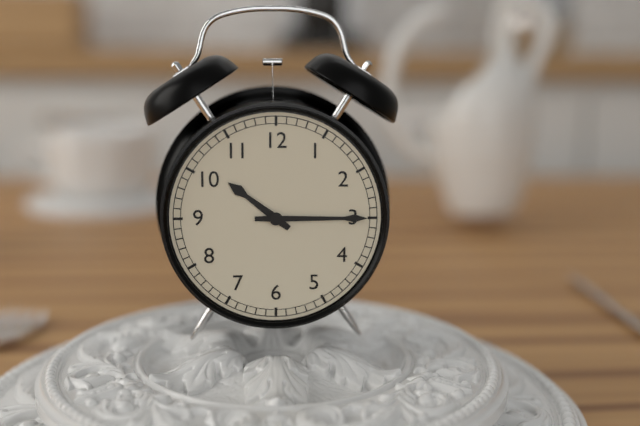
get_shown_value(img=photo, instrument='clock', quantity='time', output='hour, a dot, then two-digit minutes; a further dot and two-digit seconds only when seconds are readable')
10.15
